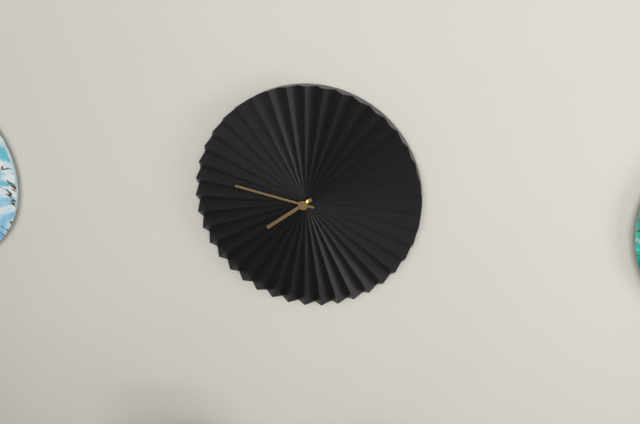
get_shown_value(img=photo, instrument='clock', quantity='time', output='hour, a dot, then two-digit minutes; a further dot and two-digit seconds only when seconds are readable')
7.47
